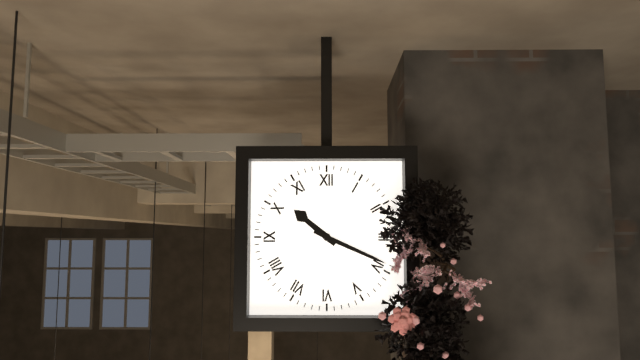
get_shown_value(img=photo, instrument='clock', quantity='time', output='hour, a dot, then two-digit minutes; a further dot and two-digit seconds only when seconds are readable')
10.19
